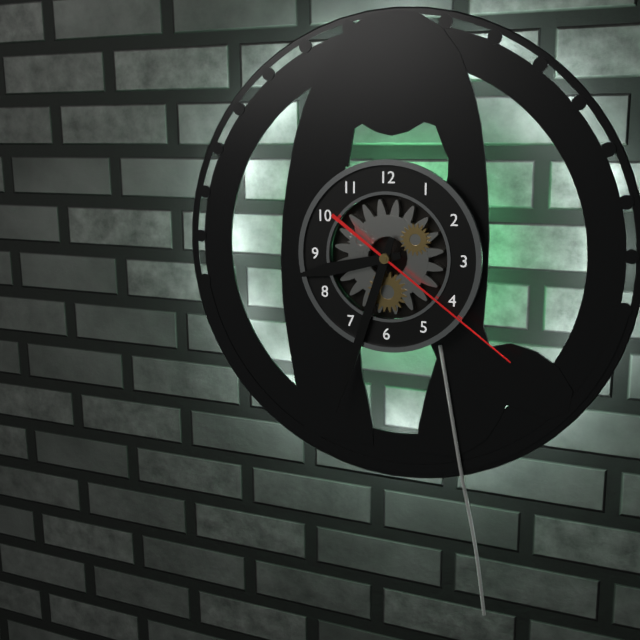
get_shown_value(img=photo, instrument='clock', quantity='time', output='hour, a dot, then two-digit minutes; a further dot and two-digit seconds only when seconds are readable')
8.33.21
